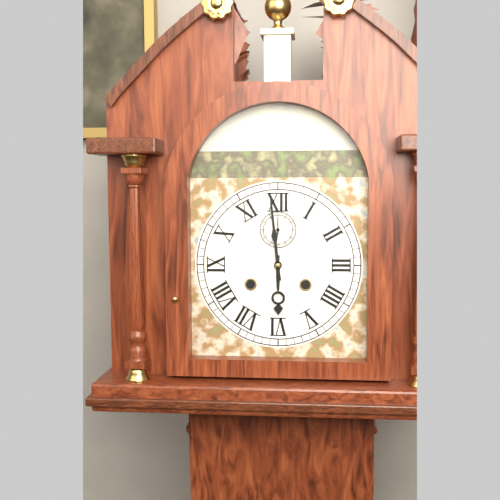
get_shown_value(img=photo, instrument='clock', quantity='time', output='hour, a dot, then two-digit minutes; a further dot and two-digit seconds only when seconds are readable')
5.59
